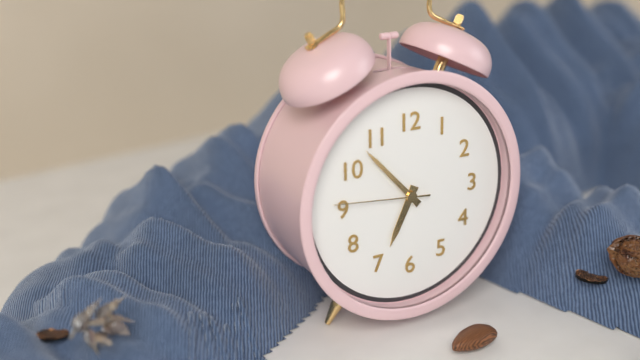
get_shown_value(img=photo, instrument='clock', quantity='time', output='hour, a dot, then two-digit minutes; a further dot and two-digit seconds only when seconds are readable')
6.53.46
